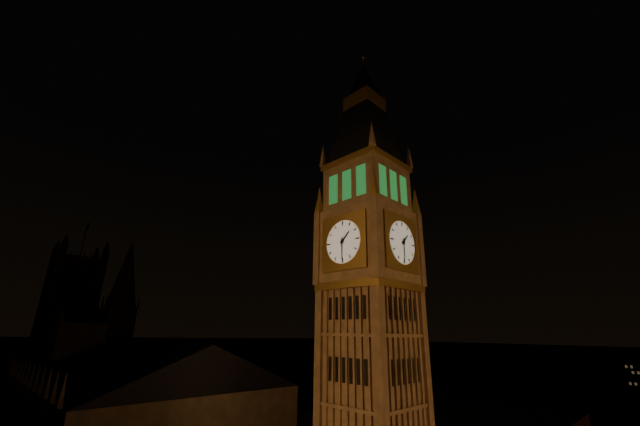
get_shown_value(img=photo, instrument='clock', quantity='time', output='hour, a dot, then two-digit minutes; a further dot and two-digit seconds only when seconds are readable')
1.30
